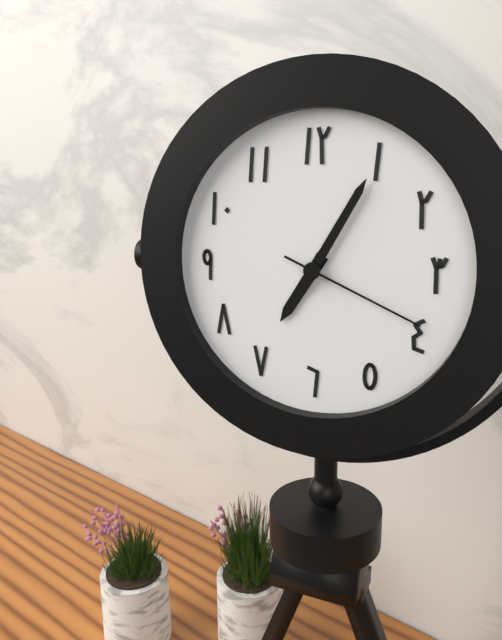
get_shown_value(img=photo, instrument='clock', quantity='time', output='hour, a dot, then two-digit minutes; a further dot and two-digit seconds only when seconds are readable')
7.05.19
